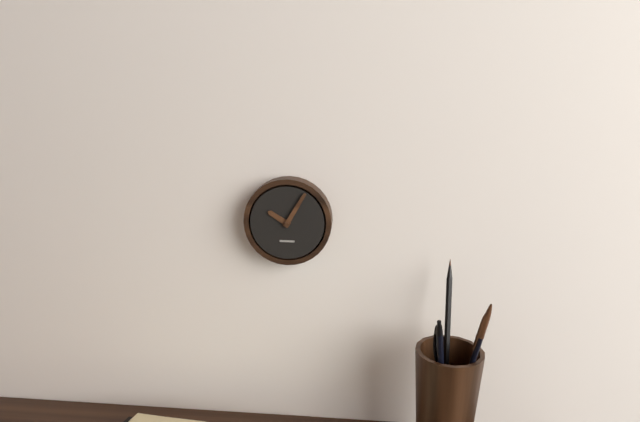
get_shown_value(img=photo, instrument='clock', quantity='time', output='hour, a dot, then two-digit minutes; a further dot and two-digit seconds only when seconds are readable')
10.05
